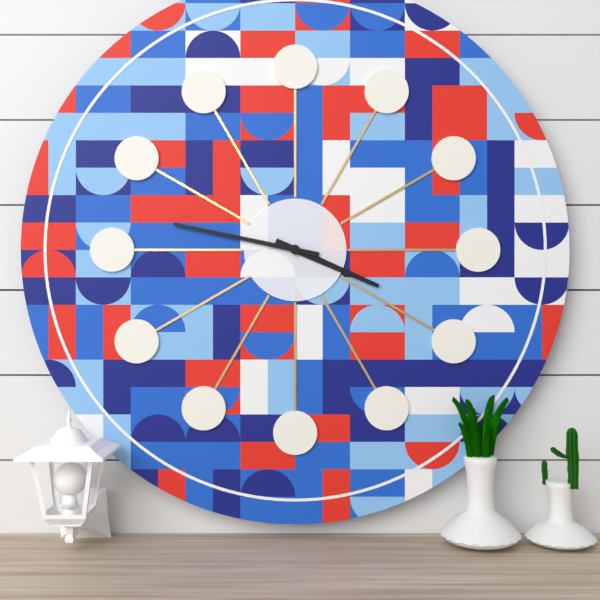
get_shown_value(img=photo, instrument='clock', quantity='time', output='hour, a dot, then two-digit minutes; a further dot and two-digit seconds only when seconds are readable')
3.47
